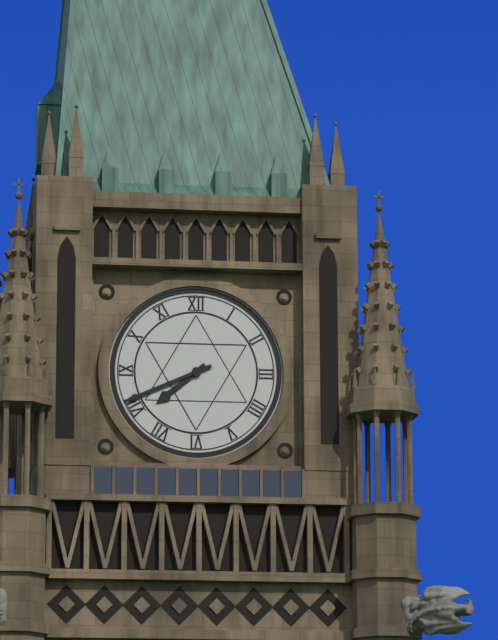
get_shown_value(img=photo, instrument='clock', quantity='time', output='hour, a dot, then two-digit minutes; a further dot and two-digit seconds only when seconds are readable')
7.41
